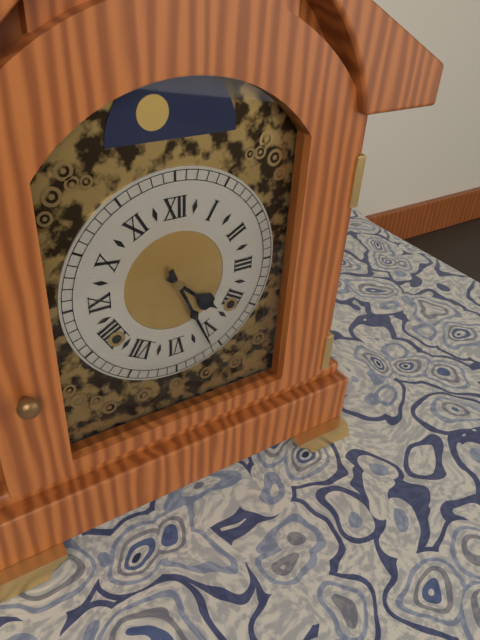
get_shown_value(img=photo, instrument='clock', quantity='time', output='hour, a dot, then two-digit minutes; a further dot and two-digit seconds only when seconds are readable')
4.26
